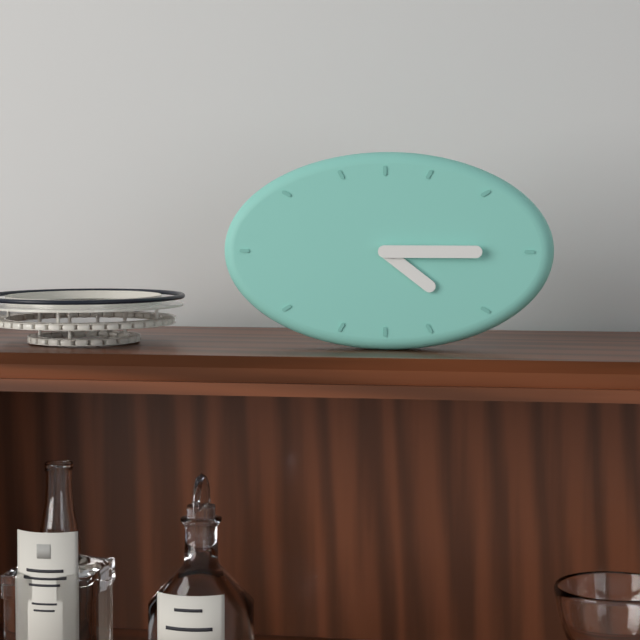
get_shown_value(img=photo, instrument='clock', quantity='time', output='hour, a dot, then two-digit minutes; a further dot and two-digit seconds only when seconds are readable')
4.15
